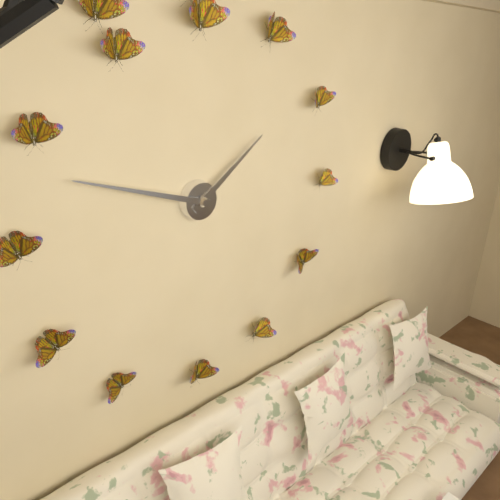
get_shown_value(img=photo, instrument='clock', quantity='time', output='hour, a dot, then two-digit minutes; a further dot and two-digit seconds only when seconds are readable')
1.48
